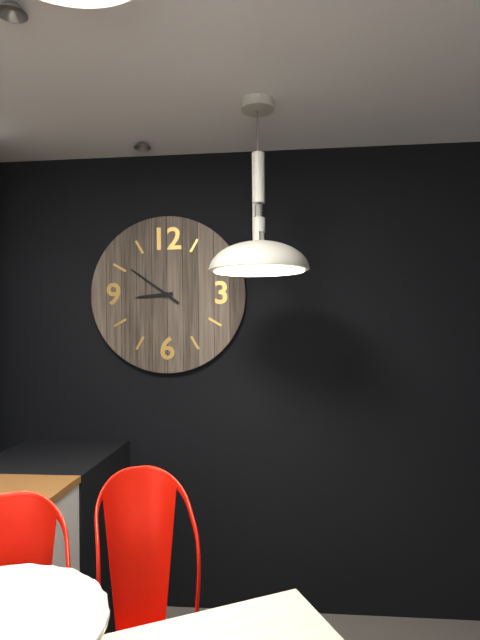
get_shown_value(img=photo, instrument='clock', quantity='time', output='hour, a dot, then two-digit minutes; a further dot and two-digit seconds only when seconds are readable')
8.51
